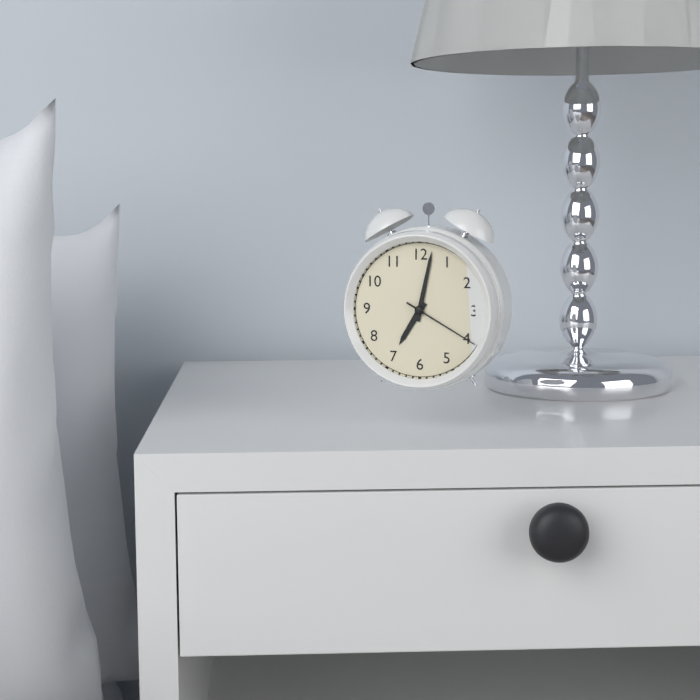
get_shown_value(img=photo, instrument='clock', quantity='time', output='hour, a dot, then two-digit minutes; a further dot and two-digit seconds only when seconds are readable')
7.02.20
